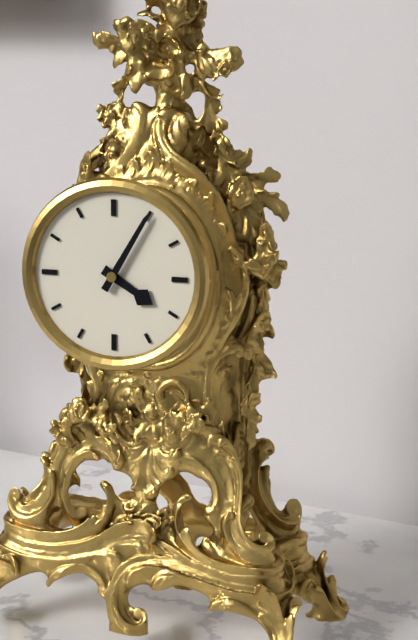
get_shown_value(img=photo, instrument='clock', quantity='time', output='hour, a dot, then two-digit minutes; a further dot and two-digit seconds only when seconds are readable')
4.05
